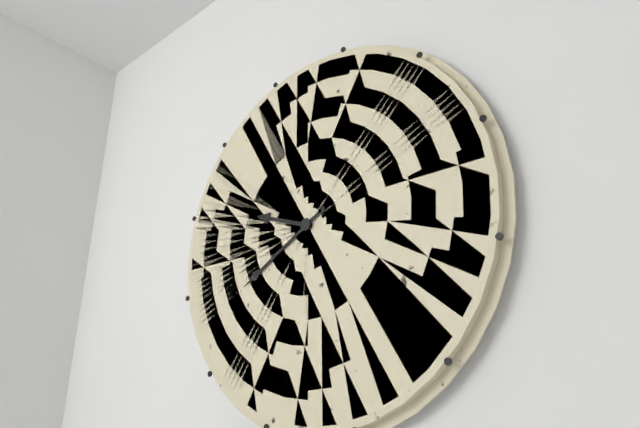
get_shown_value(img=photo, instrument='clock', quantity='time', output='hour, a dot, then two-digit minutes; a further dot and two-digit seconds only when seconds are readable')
9.40
